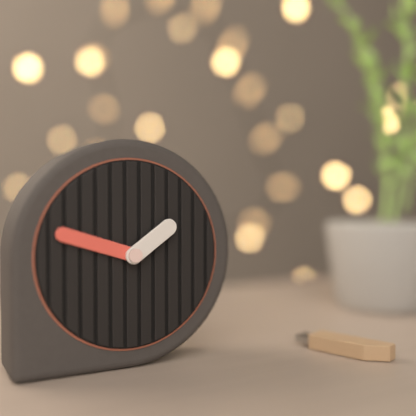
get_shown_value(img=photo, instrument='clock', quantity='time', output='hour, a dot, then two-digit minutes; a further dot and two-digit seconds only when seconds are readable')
1.48
